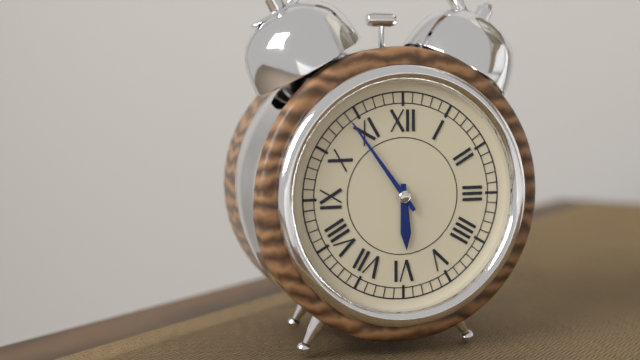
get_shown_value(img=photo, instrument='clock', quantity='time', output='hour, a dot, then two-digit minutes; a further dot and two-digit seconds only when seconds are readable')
5.54
